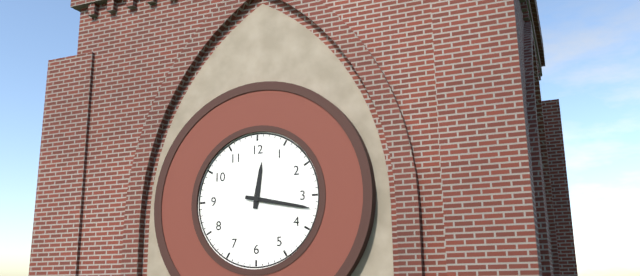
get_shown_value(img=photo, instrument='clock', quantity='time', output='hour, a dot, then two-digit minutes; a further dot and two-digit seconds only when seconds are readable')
12.17
